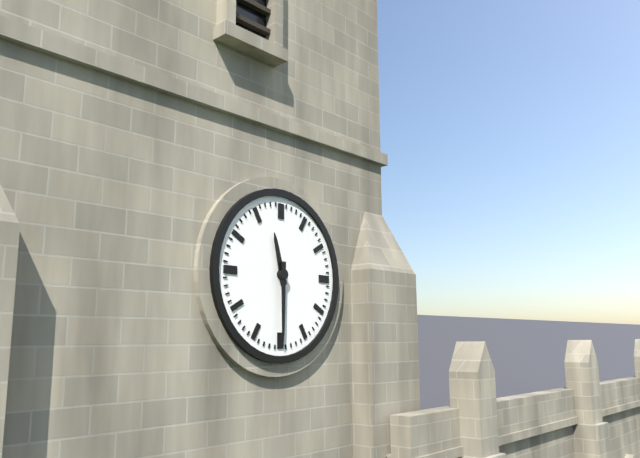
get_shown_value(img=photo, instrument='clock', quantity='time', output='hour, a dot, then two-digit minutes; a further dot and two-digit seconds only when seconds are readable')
11.30
